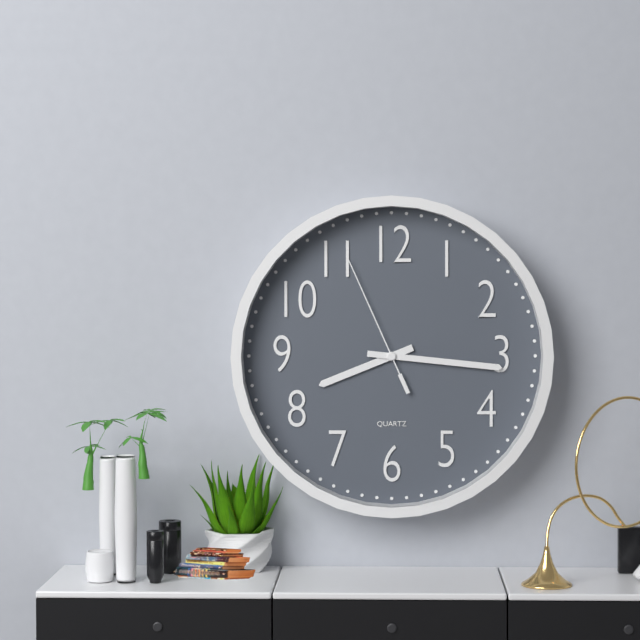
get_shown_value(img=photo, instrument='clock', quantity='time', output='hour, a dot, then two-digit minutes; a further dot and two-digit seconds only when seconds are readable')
8.16.56
